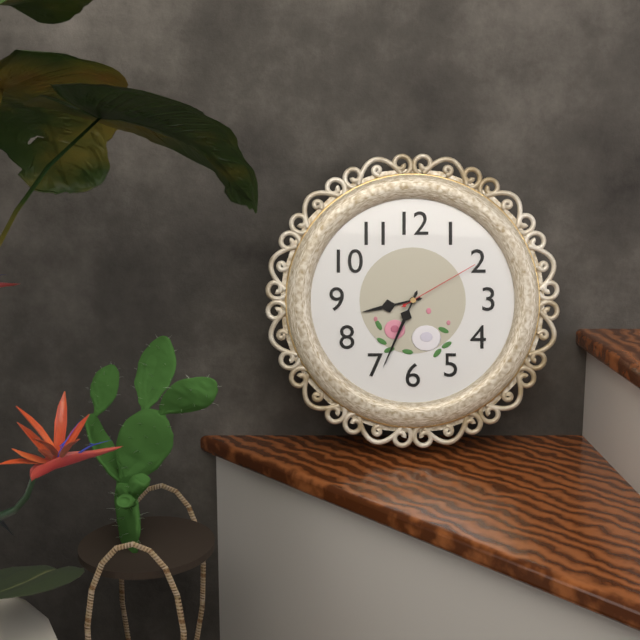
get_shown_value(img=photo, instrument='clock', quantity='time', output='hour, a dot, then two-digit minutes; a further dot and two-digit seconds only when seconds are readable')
8.34.10
